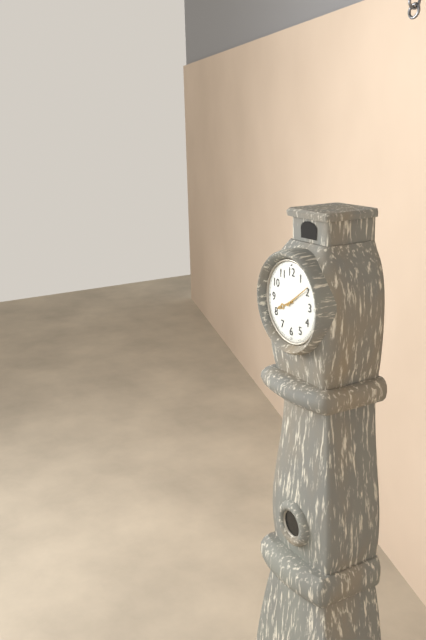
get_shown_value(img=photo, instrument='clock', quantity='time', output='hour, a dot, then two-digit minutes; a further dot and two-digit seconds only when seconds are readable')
8.09
